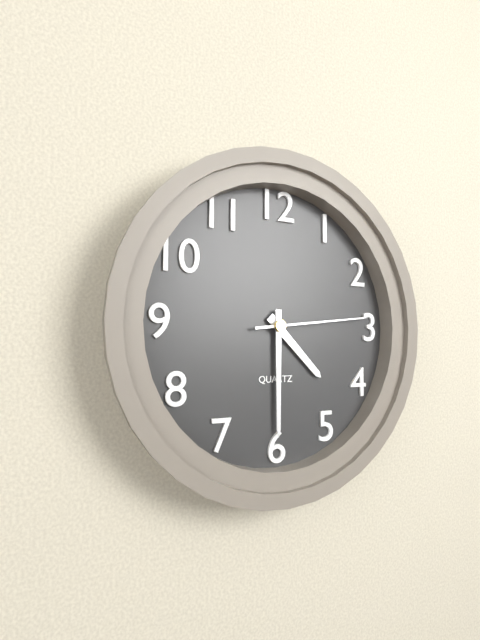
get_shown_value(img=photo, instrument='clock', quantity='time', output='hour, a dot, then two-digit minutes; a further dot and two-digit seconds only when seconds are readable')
4.30.14
